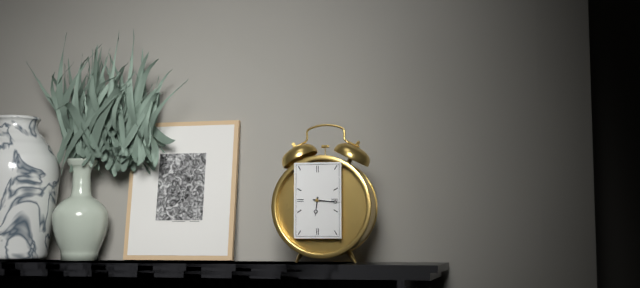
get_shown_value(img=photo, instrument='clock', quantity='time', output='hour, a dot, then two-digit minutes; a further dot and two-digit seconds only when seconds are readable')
6.16
